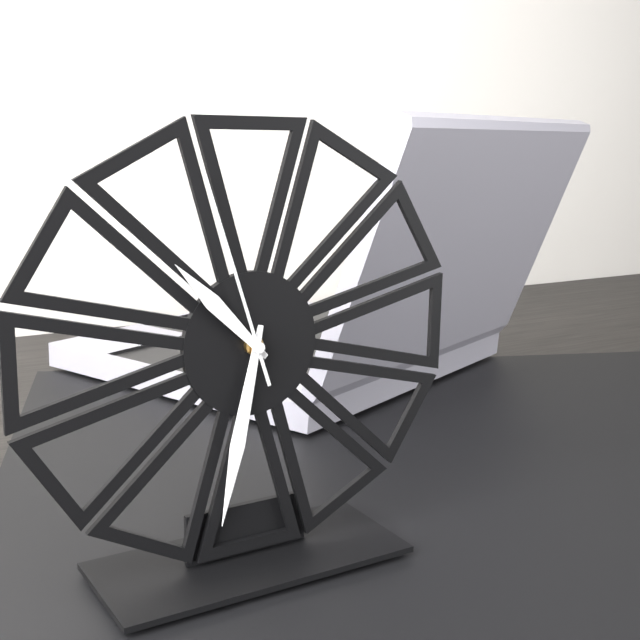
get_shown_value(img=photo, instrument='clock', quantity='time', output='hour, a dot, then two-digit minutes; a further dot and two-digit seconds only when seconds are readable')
10.32.57
